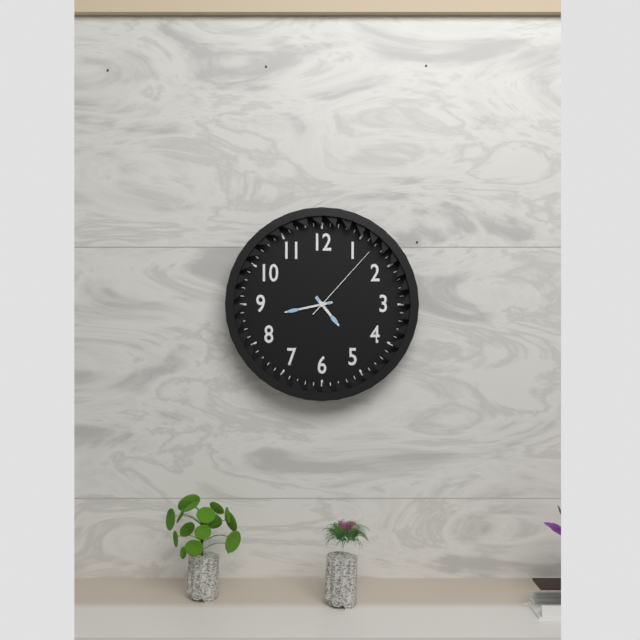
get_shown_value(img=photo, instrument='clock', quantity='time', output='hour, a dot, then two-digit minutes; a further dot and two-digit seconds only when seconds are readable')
4.43.07
